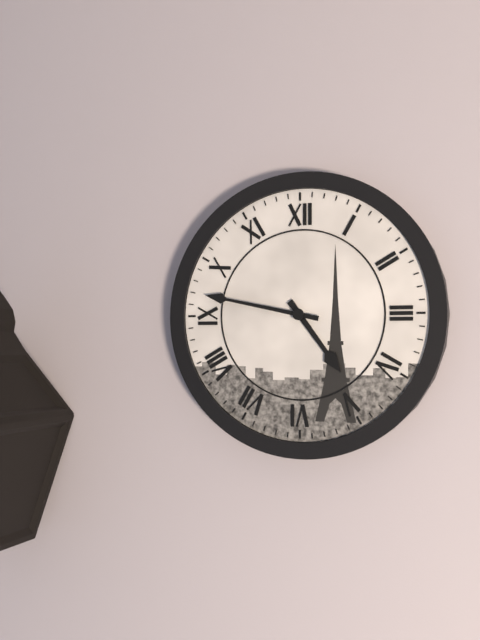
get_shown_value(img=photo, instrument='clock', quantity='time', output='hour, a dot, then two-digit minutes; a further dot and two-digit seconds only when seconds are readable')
4.47
